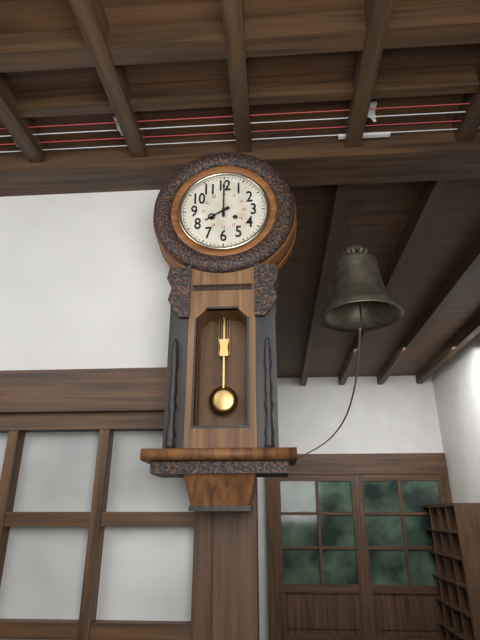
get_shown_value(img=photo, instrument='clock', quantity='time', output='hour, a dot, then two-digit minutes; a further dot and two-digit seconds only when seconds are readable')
8.00
